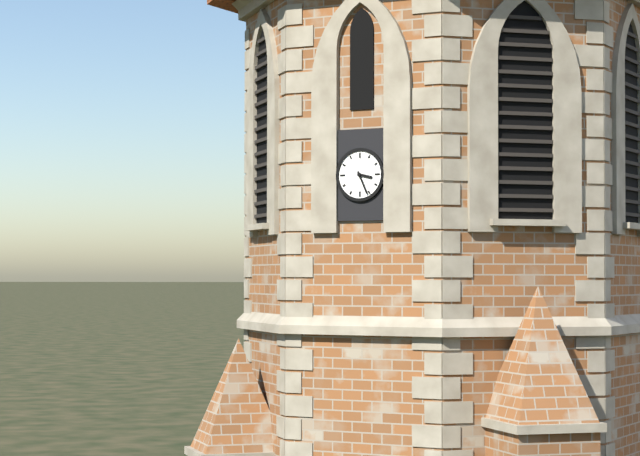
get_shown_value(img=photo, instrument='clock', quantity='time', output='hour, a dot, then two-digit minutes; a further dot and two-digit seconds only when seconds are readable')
3.26
